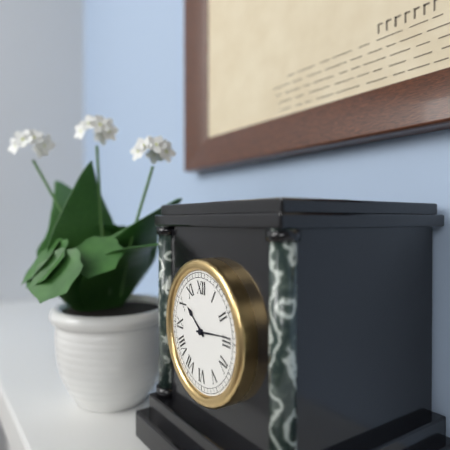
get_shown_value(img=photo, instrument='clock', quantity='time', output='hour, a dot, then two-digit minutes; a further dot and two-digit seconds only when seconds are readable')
10.14
